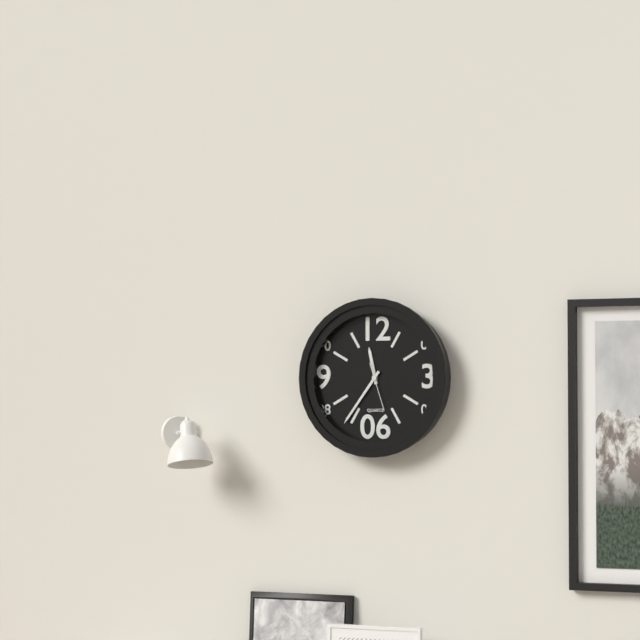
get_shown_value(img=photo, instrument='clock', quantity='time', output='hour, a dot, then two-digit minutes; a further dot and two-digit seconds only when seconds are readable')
11.36
